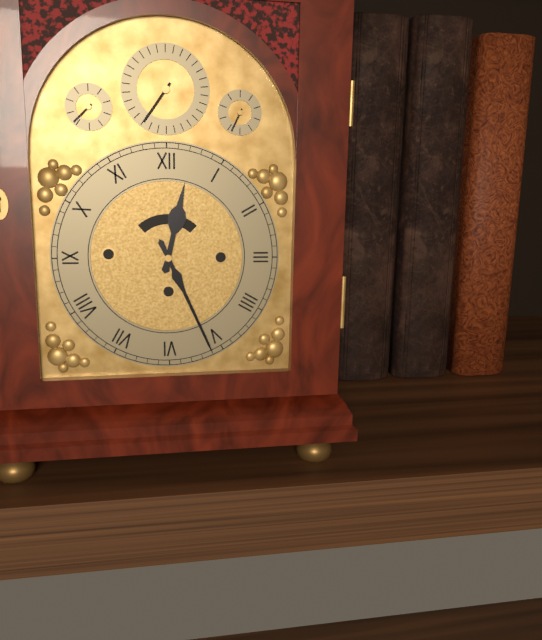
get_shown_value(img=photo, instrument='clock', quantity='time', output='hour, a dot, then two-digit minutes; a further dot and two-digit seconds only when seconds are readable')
12.26
